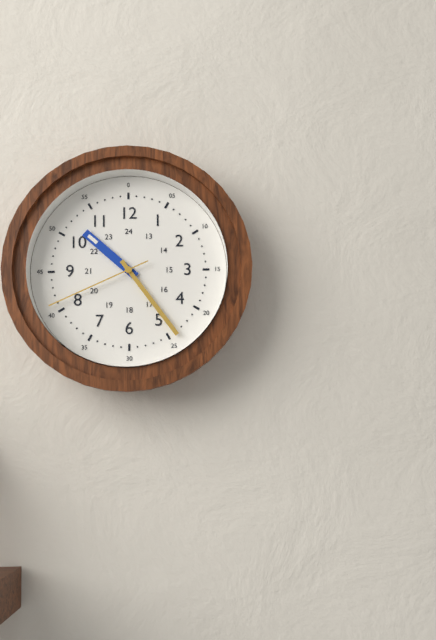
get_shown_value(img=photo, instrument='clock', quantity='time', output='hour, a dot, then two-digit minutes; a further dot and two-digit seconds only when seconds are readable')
10.24.41
